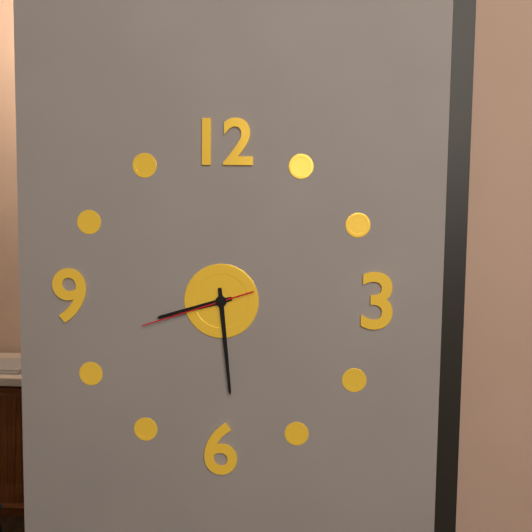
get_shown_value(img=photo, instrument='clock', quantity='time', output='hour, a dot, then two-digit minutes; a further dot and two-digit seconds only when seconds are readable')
8.29.42
